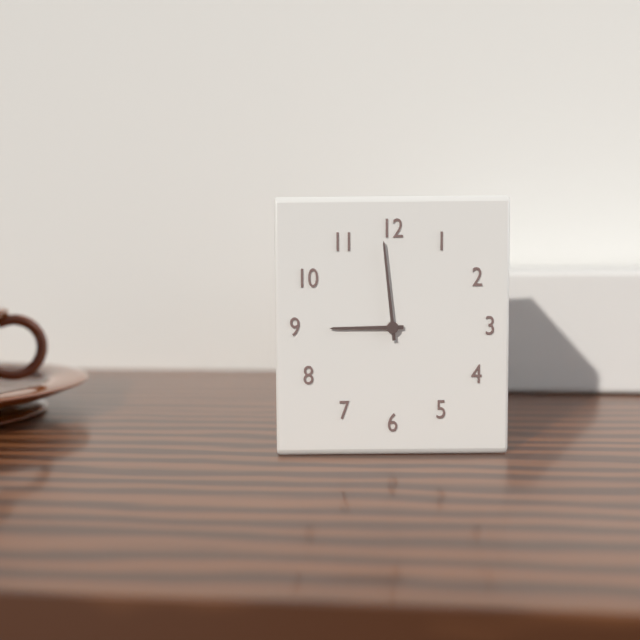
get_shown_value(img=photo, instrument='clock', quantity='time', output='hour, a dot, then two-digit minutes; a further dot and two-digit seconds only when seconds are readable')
8.59
